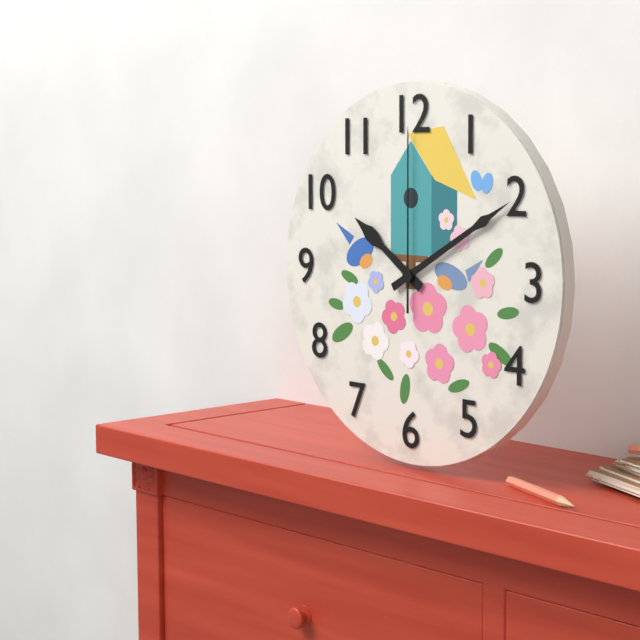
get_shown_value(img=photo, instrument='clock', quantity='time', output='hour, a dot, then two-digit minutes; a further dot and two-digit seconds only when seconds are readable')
10.10.00
